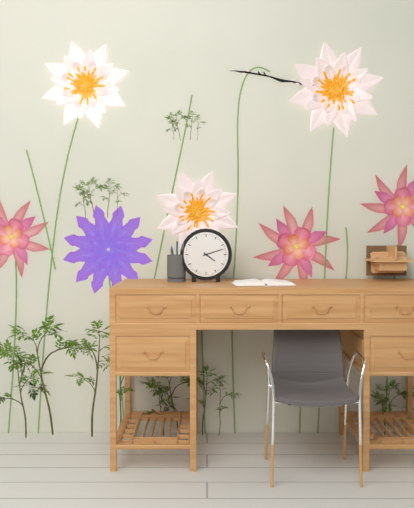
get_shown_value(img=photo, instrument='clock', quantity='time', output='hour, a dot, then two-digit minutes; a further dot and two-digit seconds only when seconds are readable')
4.12
